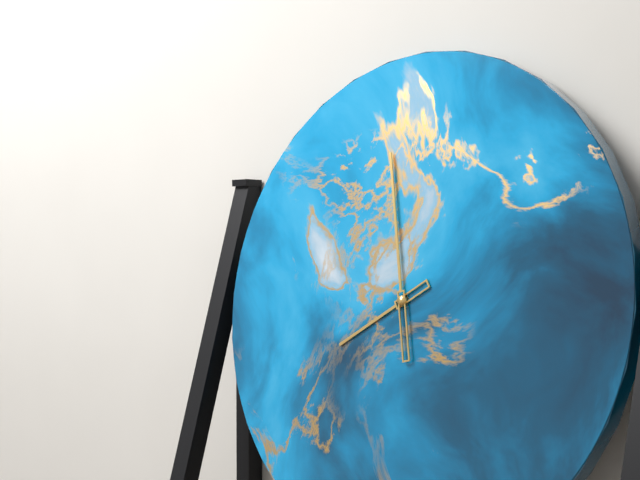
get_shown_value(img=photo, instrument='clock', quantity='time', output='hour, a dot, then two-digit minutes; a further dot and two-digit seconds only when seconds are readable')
7.58
